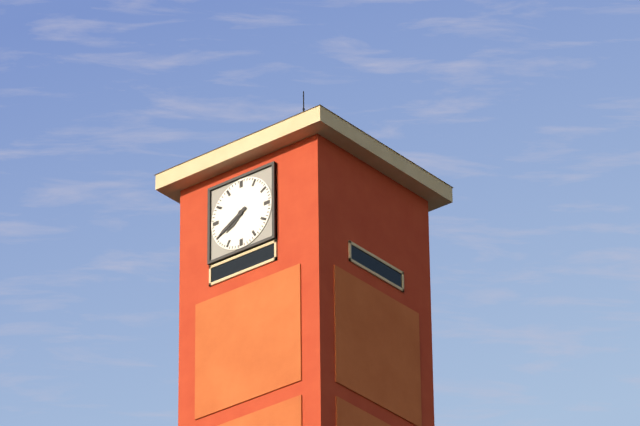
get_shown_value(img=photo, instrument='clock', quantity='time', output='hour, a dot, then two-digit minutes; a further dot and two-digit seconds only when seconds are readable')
7.40
